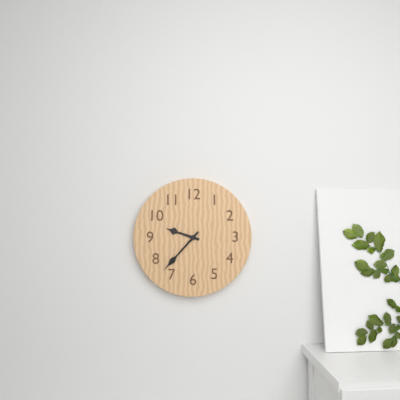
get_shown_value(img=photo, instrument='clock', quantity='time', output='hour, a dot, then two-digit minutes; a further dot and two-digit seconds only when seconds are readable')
9.37
